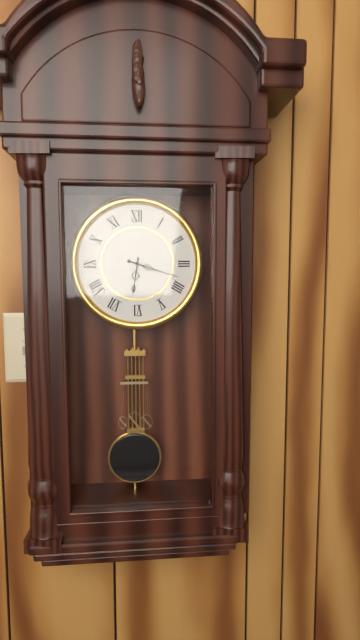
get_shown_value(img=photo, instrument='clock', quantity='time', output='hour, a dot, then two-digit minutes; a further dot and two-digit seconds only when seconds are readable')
6.18
